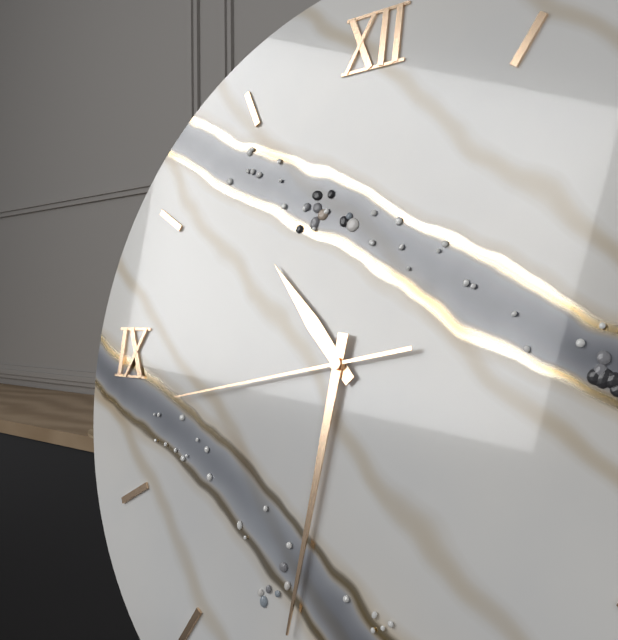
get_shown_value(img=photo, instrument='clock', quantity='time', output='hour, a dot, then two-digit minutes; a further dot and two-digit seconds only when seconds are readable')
10.31.43
